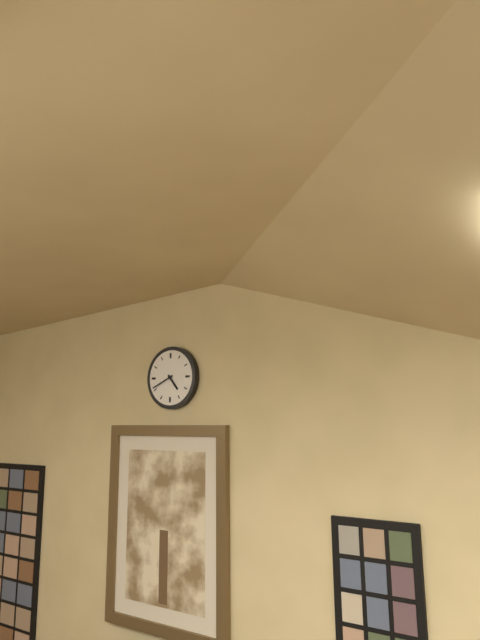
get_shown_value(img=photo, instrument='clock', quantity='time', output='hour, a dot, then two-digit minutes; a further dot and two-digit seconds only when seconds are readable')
4.41
